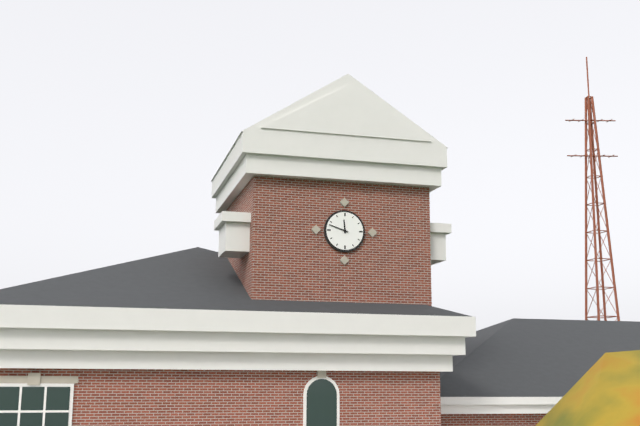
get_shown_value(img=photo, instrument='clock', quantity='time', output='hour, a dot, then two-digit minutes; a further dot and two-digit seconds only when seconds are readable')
11.48
